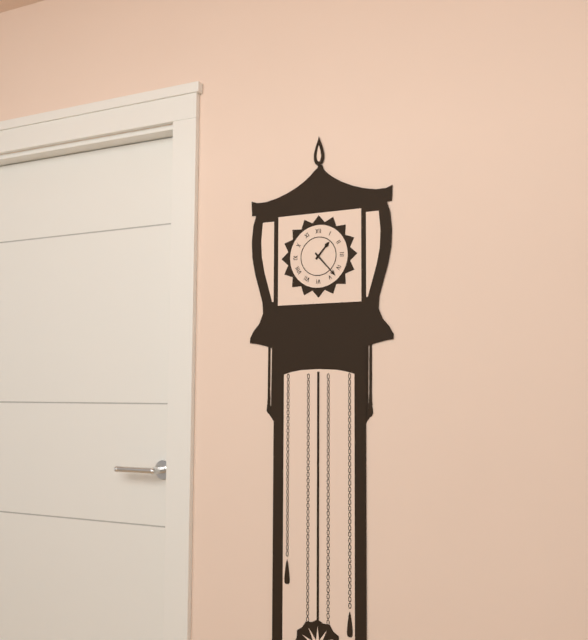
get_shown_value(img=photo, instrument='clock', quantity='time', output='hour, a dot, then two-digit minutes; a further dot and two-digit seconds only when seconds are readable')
1.23
